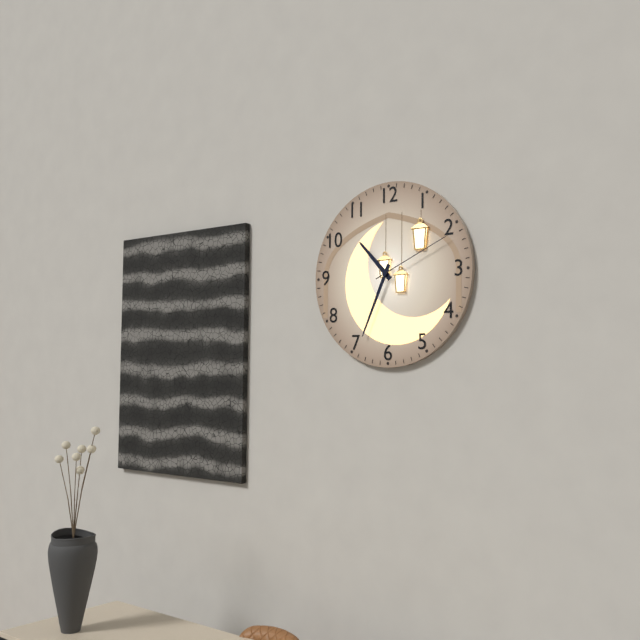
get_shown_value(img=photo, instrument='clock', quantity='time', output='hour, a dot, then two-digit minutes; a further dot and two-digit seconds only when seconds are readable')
10.34.11
